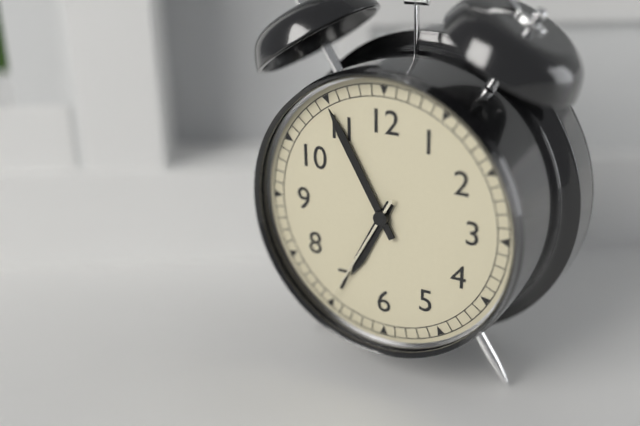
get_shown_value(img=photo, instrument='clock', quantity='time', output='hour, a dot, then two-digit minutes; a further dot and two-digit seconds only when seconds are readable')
6.55.35
